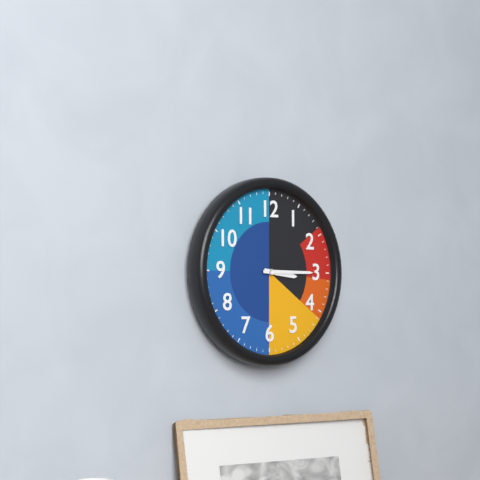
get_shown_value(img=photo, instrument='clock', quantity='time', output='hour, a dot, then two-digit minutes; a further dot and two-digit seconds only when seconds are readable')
3.15
